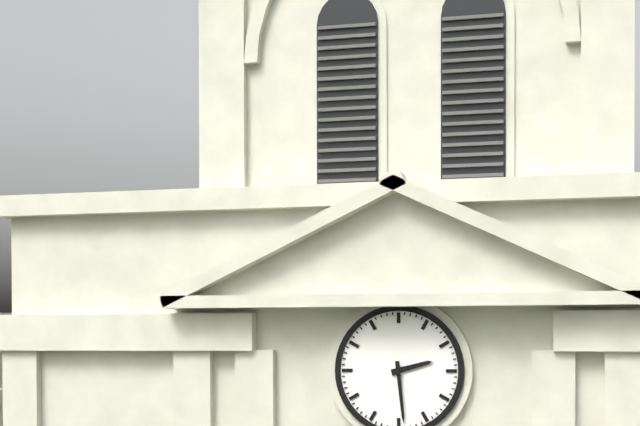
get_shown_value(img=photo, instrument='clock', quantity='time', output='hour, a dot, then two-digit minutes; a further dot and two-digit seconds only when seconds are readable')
2.29
